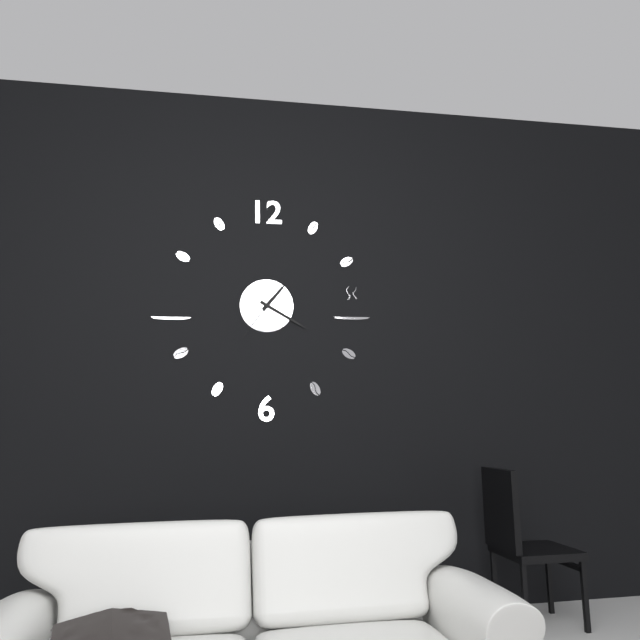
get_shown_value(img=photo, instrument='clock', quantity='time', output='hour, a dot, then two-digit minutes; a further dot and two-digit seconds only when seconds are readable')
1.20.36
